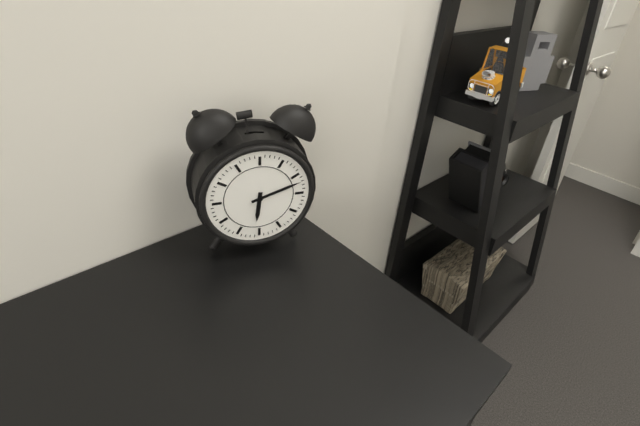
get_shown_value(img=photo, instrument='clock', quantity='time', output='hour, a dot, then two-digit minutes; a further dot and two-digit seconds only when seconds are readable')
6.12
